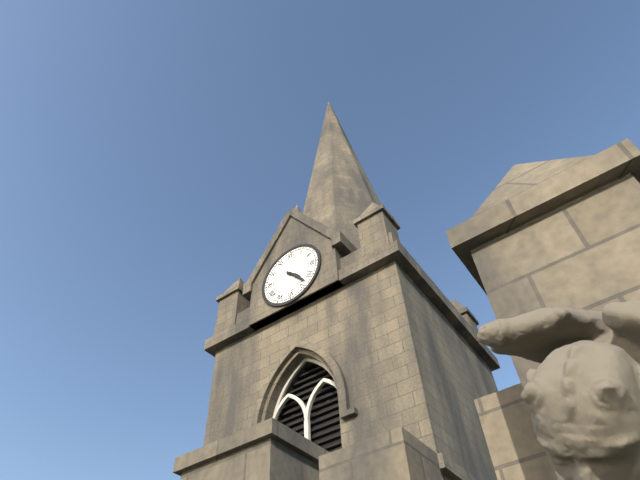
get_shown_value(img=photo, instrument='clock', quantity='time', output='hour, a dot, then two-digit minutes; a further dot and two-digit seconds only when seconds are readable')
4.23
